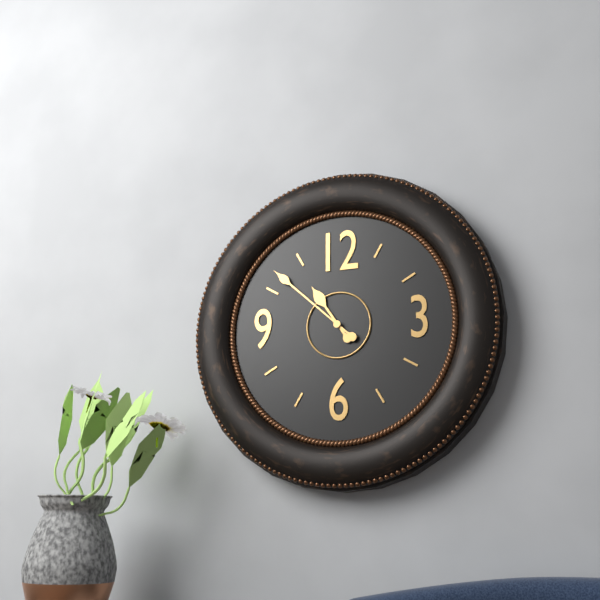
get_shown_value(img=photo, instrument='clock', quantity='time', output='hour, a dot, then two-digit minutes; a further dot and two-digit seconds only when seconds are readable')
10.52
